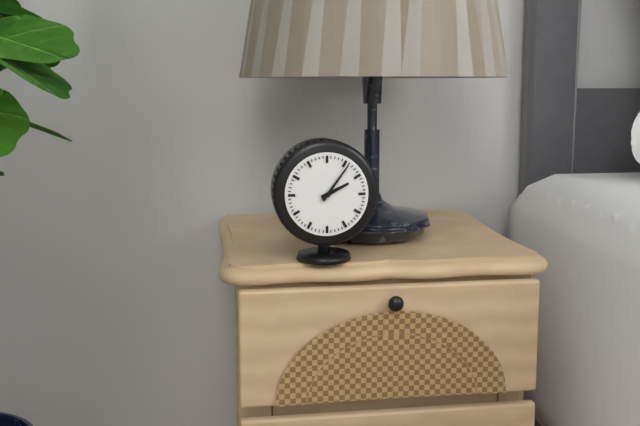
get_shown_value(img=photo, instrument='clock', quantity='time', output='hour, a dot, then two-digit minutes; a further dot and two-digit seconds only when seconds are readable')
2.06
